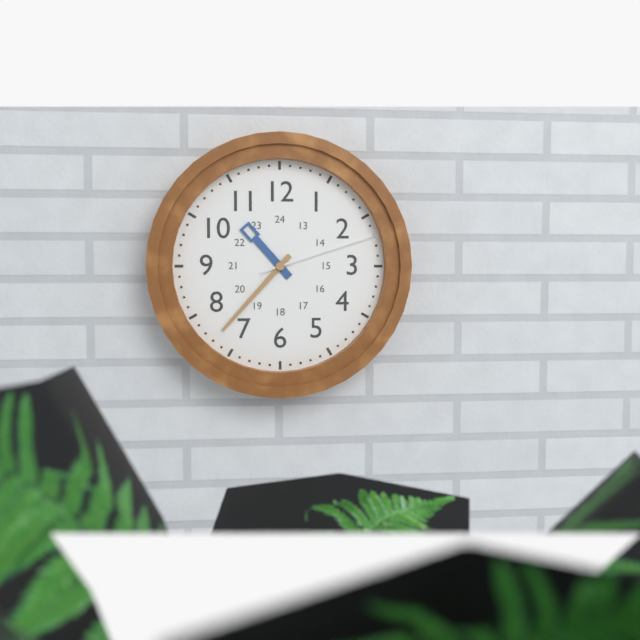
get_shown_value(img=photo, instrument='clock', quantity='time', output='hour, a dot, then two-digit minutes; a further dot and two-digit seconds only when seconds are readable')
10.37.12
